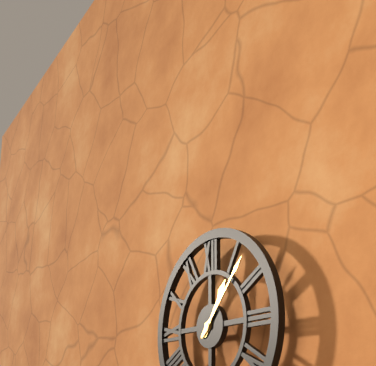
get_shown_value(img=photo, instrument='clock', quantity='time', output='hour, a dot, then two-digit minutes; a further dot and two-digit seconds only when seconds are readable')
1.07
